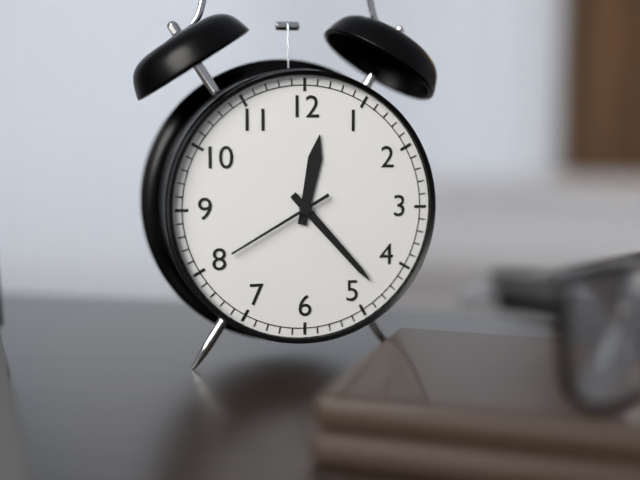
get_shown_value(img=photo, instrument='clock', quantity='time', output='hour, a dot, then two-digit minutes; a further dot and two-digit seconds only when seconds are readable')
12.23.40
